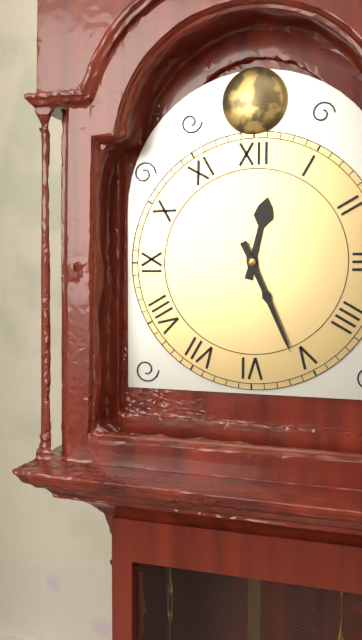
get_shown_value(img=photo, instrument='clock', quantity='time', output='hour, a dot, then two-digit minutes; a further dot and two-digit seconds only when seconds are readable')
12.26
